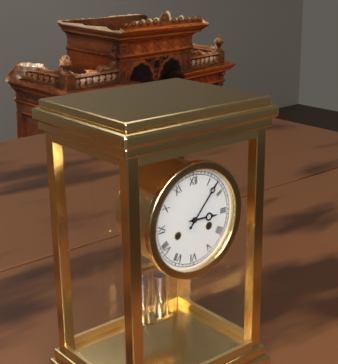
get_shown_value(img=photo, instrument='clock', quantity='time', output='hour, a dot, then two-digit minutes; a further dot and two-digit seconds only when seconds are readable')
3.07
